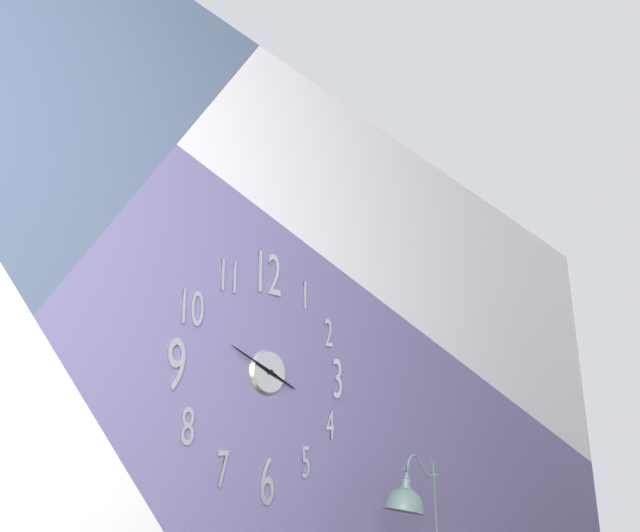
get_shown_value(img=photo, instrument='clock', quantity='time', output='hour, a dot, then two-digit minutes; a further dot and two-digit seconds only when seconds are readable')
3.49
